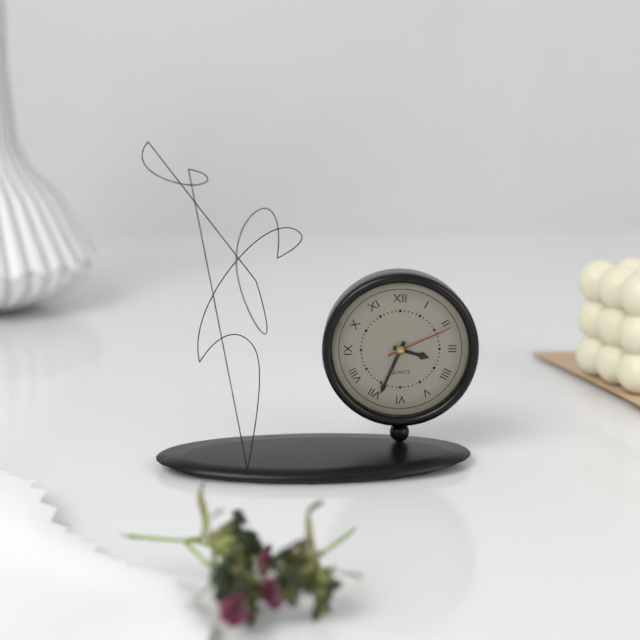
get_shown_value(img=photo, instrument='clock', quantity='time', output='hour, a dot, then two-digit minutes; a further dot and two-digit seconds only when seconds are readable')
3.34.11
